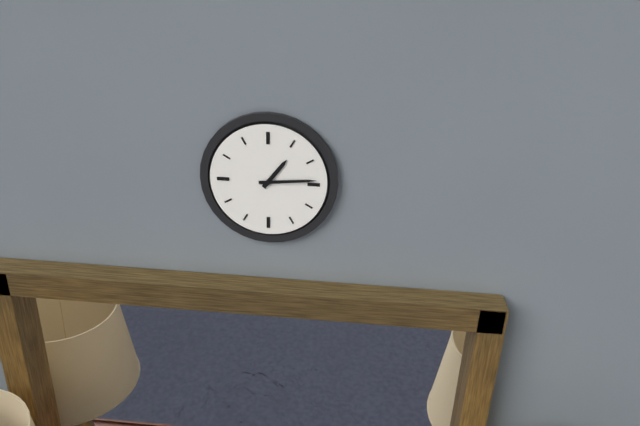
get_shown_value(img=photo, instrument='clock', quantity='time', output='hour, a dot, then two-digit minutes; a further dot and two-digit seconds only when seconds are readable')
1.14
